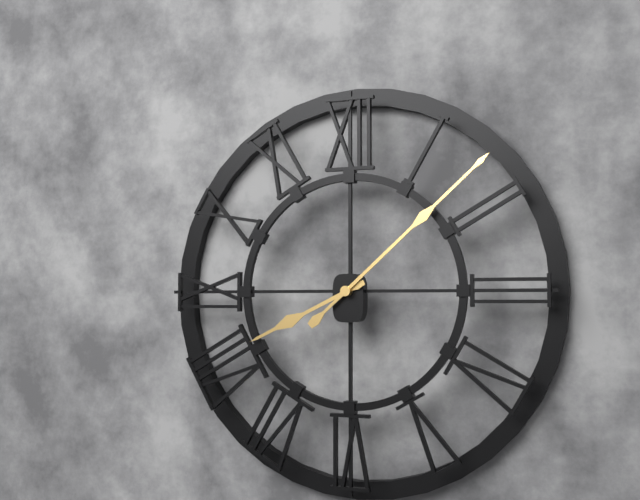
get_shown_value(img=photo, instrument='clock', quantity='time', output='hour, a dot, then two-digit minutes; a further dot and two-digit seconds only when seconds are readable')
8.08
